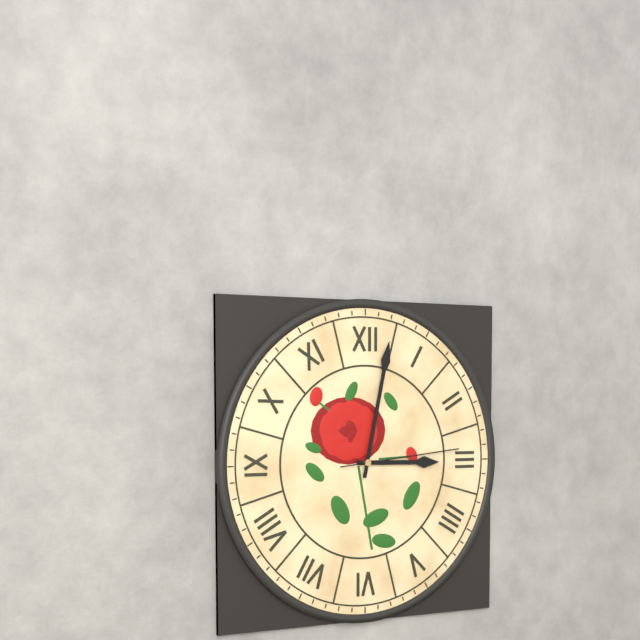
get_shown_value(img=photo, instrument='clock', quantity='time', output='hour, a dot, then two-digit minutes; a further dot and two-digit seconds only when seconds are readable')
3.02.14
